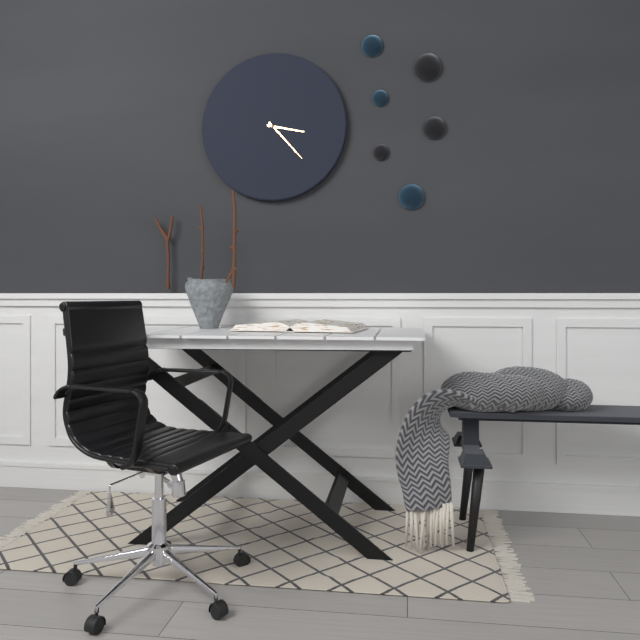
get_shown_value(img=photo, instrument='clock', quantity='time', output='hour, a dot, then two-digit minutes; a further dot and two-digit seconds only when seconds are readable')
3.23
